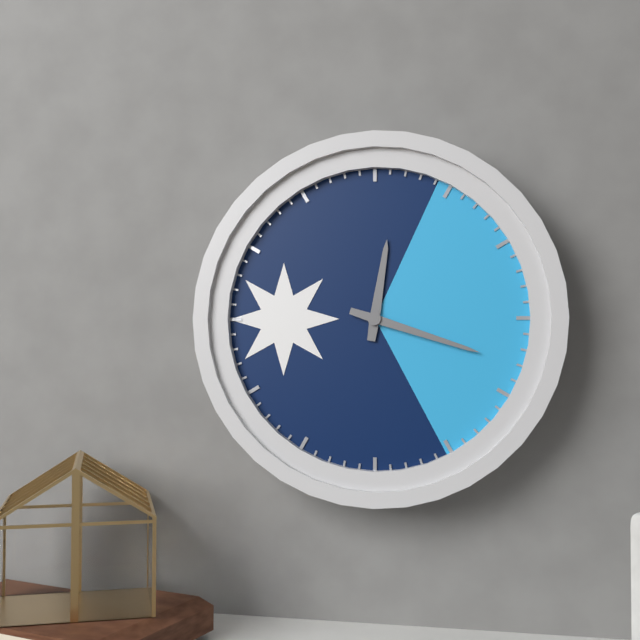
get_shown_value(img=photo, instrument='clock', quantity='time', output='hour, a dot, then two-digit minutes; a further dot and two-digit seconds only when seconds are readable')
12.18
